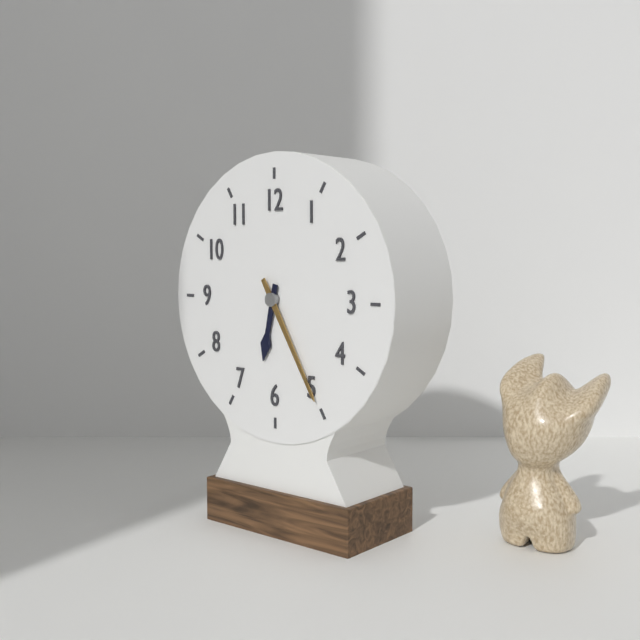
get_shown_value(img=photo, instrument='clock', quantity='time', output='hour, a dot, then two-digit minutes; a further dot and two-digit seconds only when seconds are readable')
6.25
